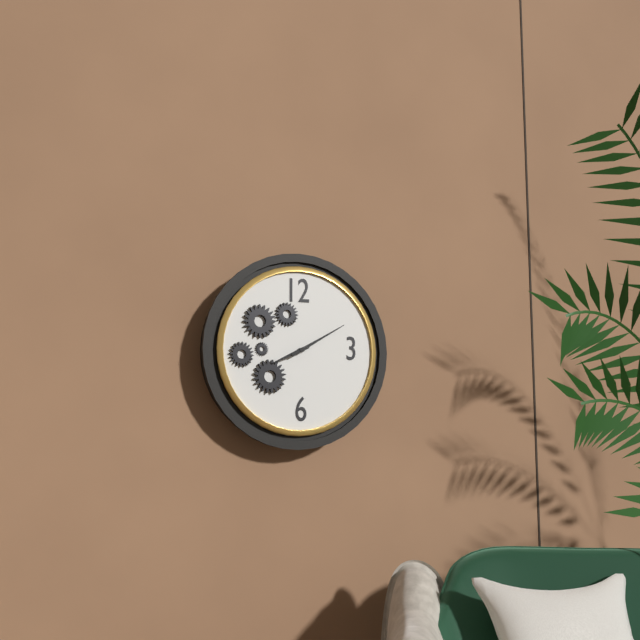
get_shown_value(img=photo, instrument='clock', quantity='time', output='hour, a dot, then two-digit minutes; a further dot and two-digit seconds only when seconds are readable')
8.10
